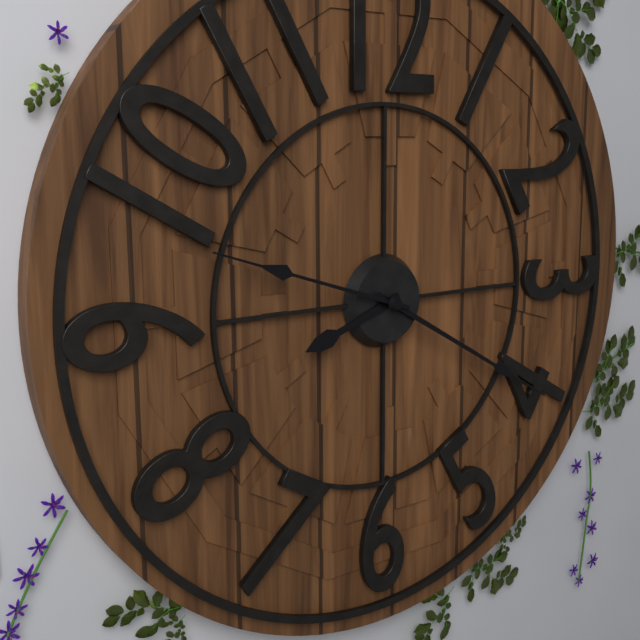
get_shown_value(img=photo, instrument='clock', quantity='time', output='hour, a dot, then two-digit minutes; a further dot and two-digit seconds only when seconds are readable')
8.20.48
